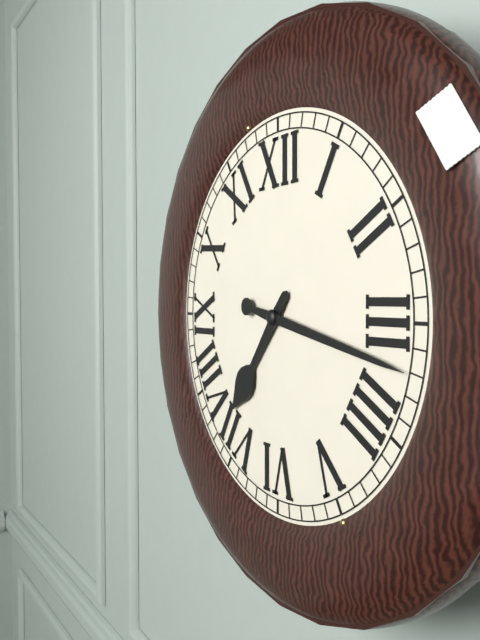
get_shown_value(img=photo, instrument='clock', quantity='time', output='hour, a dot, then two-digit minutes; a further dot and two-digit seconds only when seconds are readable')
7.17
